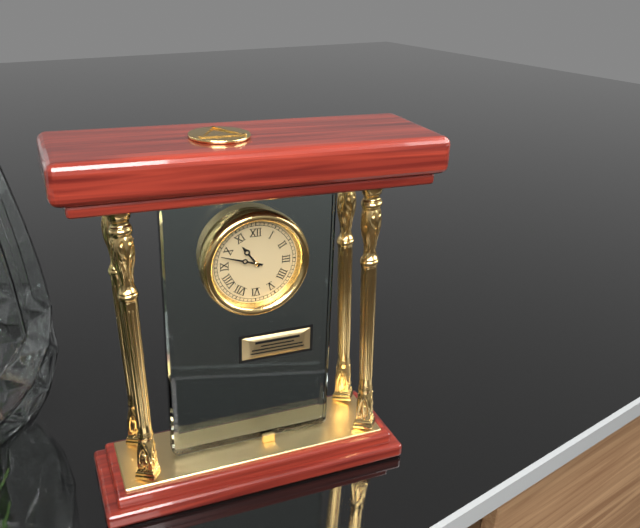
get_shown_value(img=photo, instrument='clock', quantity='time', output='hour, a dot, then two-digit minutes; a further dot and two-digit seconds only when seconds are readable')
10.48
